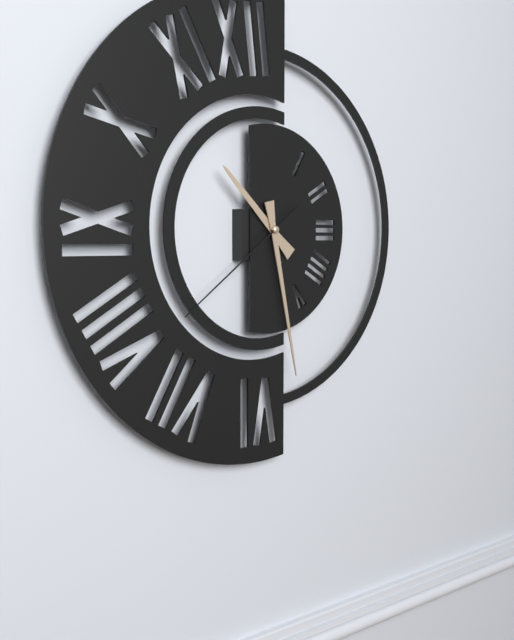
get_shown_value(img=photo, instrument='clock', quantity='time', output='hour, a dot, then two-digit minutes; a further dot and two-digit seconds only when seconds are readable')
10.28.39
